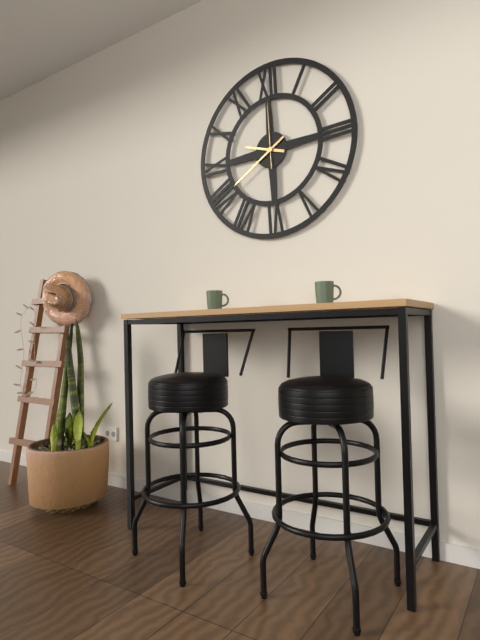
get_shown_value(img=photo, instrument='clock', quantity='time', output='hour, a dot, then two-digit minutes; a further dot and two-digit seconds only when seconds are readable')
9.40.00
